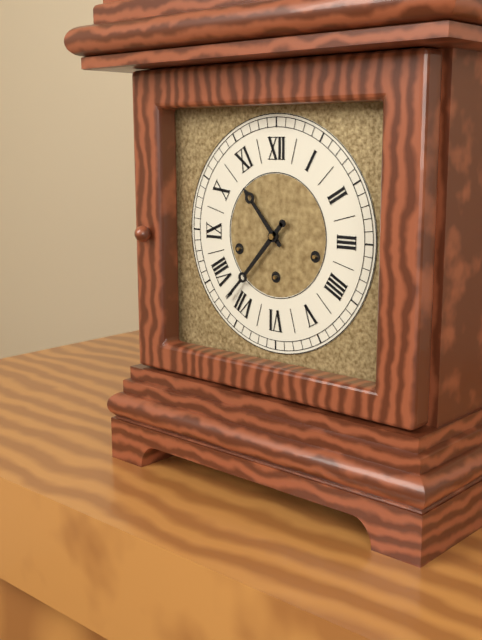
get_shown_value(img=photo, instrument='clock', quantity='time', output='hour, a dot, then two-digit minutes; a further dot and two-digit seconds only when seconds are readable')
10.37
